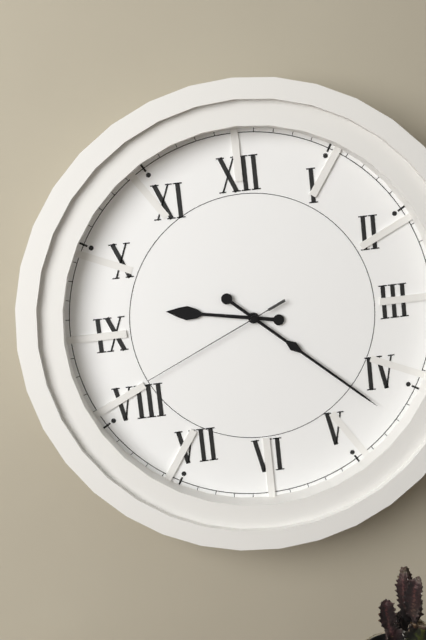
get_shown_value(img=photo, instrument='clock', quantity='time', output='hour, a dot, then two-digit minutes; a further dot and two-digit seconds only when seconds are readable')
9.22.41
